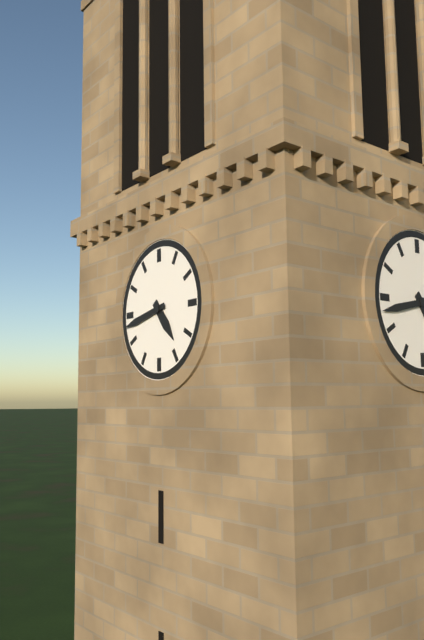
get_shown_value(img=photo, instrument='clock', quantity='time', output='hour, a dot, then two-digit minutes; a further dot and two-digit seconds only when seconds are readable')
4.43
